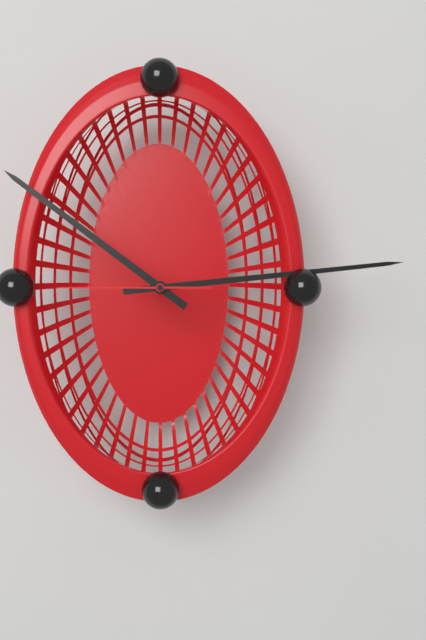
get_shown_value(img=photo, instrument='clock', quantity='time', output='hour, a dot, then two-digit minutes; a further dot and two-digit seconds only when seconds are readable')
10.14.45
